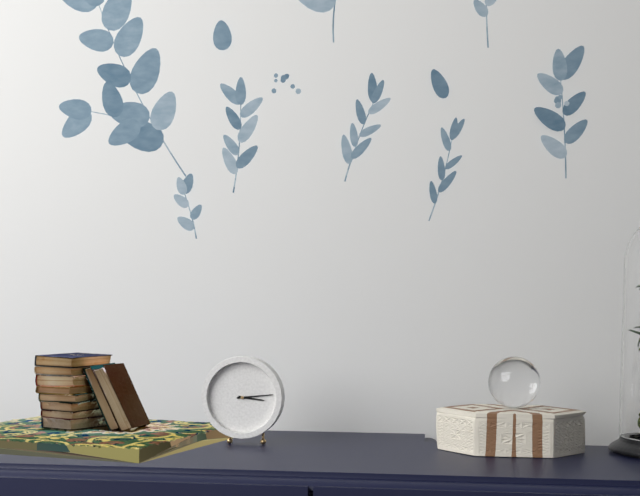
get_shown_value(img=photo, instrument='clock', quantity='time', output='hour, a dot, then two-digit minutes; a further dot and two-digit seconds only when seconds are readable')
3.14
